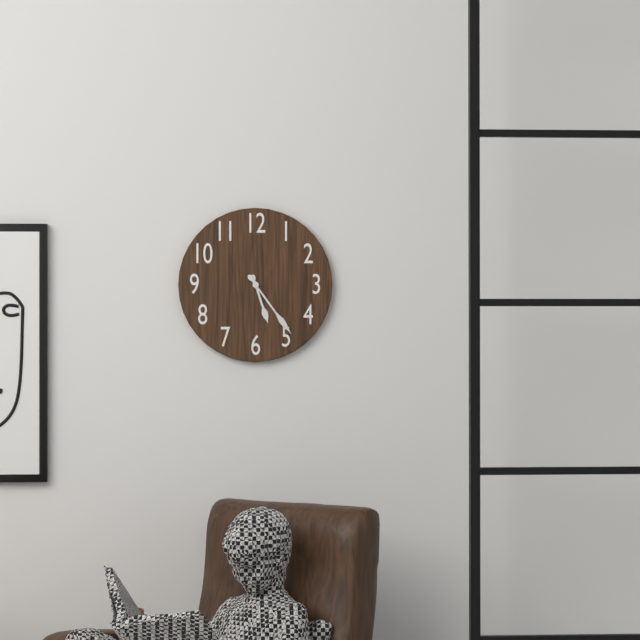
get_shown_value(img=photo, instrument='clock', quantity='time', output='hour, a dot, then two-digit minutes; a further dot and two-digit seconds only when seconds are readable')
5.24
